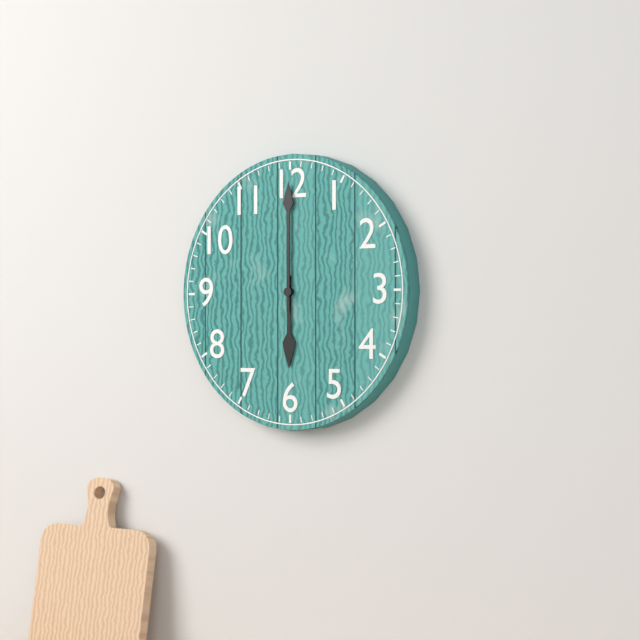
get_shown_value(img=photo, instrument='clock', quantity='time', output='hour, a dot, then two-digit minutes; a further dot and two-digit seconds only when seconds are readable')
6.00
